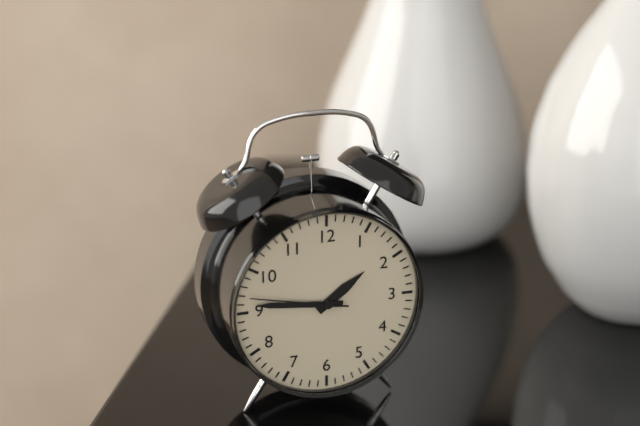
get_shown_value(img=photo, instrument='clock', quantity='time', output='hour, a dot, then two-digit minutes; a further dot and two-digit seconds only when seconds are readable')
1.46.47
